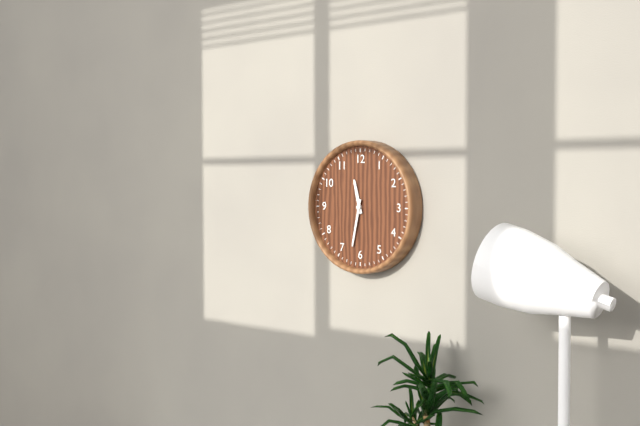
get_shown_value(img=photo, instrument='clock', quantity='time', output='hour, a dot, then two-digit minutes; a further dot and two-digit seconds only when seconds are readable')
11.32
